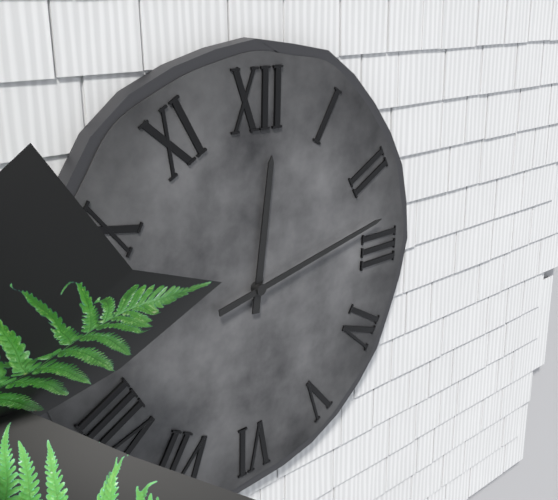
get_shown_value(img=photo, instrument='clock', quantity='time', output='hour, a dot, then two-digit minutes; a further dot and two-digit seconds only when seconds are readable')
12.13
